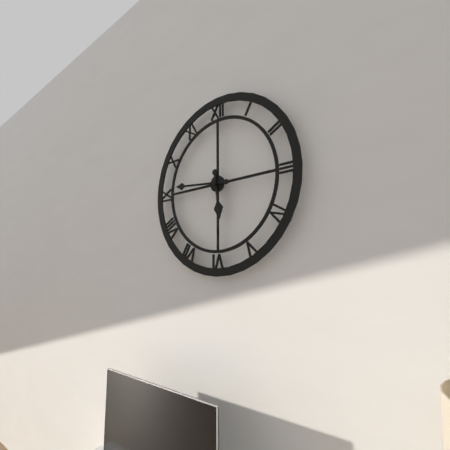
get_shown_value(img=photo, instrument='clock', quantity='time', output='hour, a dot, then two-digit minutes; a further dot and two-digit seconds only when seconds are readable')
5.46
